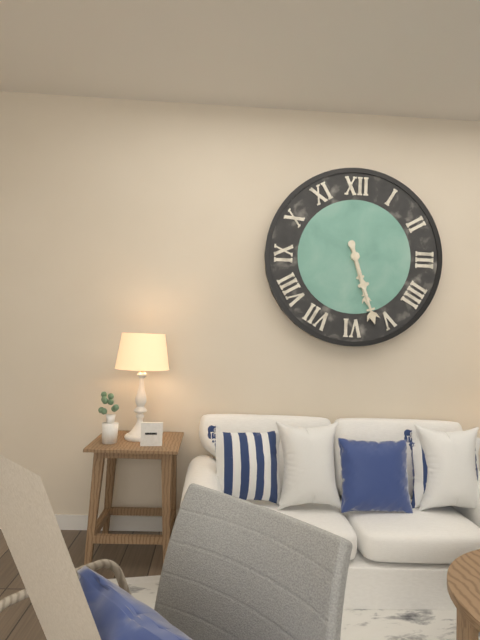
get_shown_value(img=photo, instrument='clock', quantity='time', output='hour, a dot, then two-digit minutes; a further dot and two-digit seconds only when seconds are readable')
5.27
